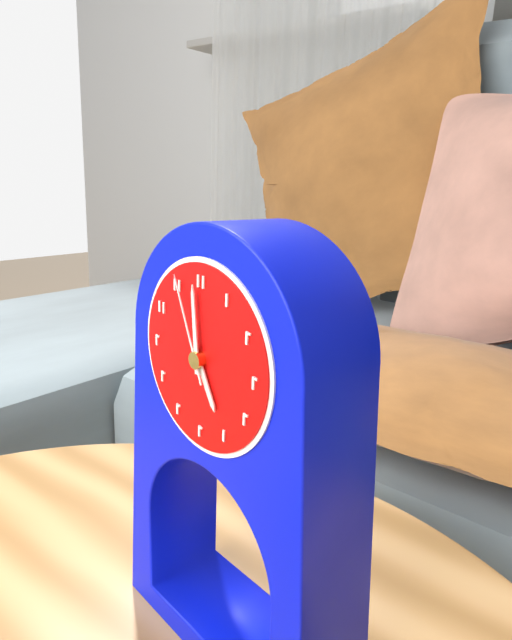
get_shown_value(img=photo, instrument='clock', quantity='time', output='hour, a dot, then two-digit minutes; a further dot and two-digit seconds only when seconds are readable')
4.59.56
